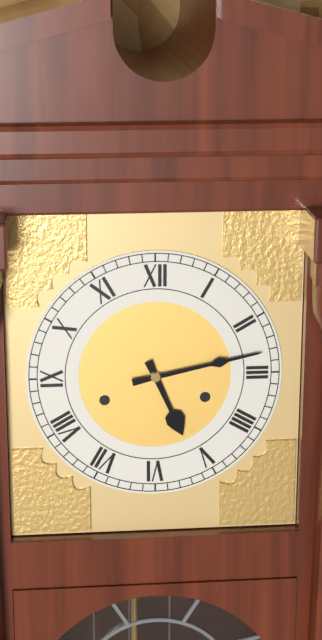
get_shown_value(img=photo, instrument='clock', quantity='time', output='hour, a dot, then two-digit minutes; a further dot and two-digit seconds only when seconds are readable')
5.13
